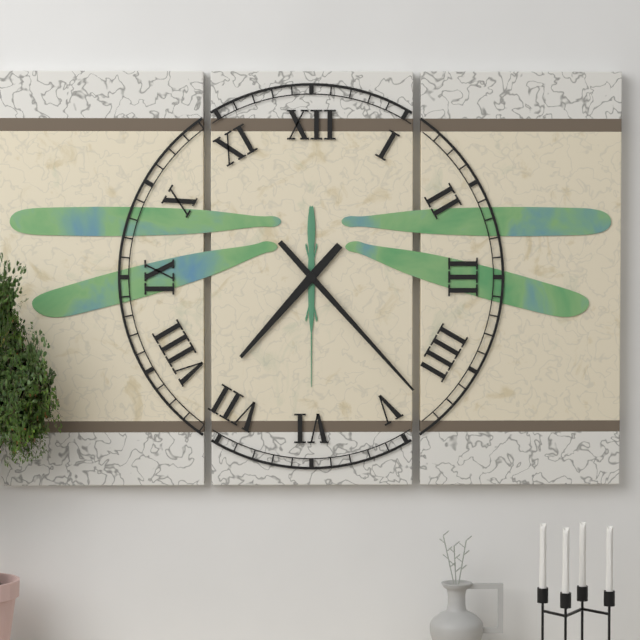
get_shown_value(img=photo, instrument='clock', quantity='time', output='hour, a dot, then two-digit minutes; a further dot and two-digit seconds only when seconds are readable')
7.23
